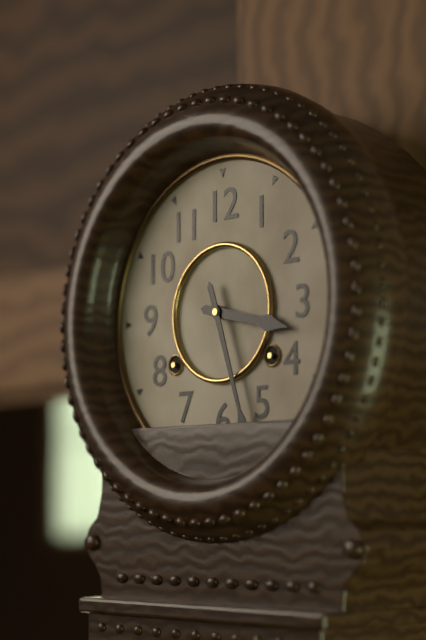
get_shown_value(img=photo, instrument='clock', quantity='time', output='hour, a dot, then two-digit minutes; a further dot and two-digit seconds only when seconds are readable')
3.27
